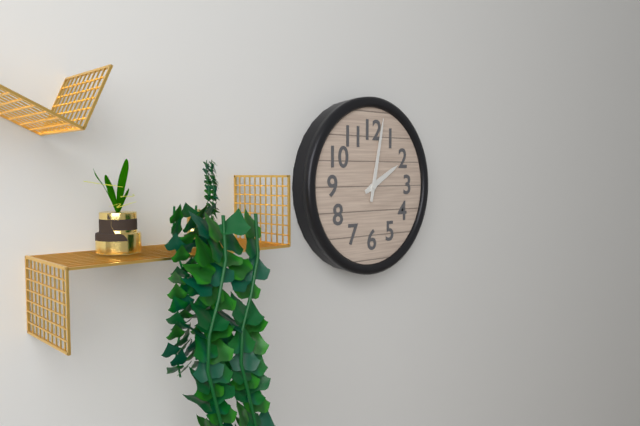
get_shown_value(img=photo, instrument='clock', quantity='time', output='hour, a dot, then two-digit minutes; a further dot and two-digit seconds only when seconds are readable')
2.02
